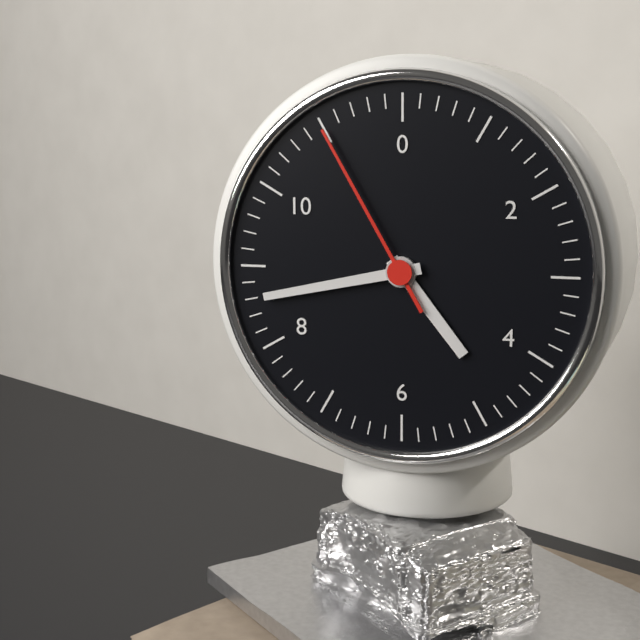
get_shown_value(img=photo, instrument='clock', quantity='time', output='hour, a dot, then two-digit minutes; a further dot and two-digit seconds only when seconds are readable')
4.43.55
